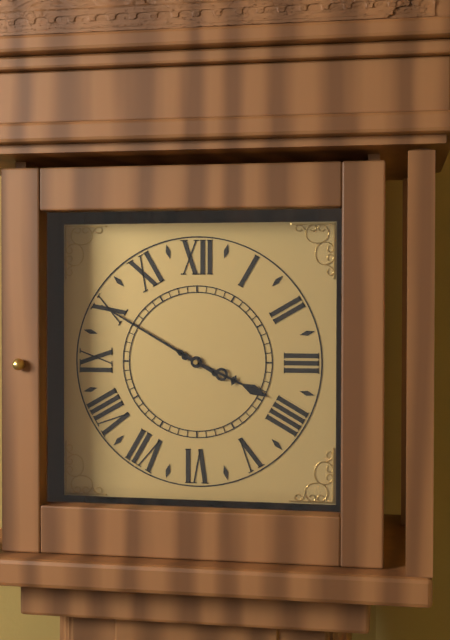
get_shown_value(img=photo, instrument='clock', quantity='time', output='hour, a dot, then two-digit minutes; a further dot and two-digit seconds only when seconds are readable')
3.50
